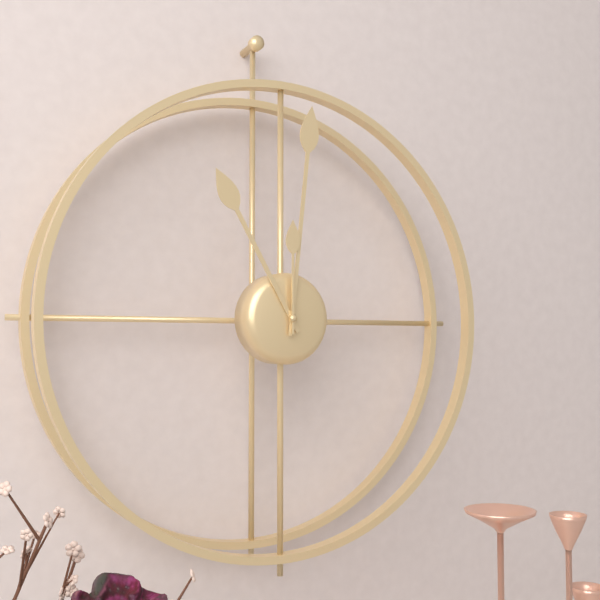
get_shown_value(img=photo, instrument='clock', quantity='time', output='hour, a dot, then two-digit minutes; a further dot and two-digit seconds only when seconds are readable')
11.01.00
